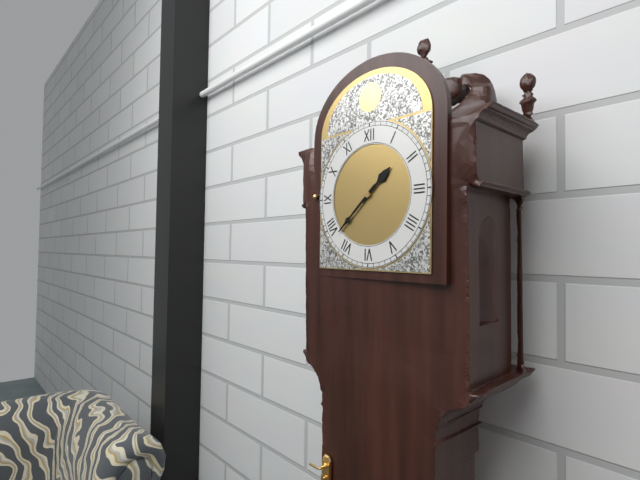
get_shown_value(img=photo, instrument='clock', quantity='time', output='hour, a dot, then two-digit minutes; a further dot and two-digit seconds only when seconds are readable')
1.38
